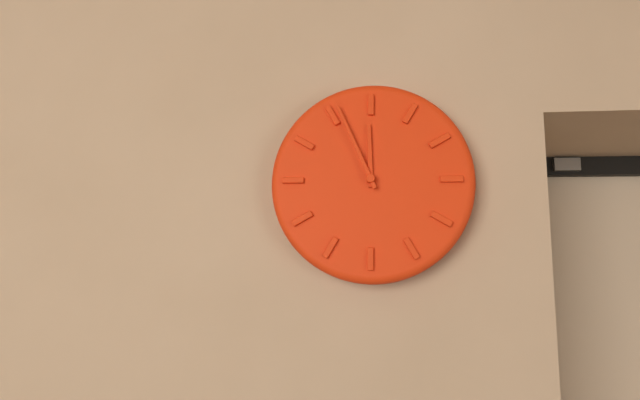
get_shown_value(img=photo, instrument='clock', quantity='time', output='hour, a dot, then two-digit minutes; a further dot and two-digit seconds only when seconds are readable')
11.56
